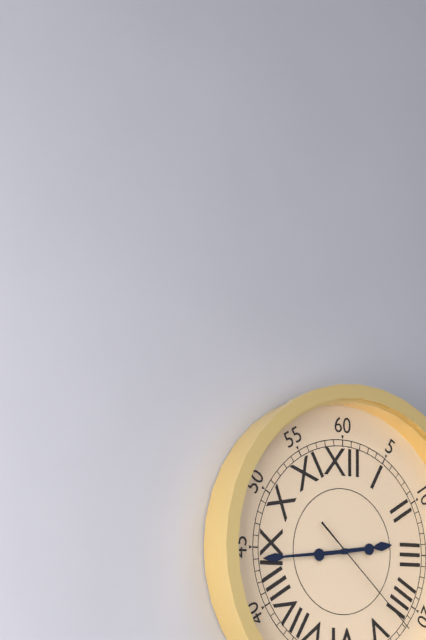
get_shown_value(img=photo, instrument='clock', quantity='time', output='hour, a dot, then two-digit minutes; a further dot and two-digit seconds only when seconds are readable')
2.44.22
